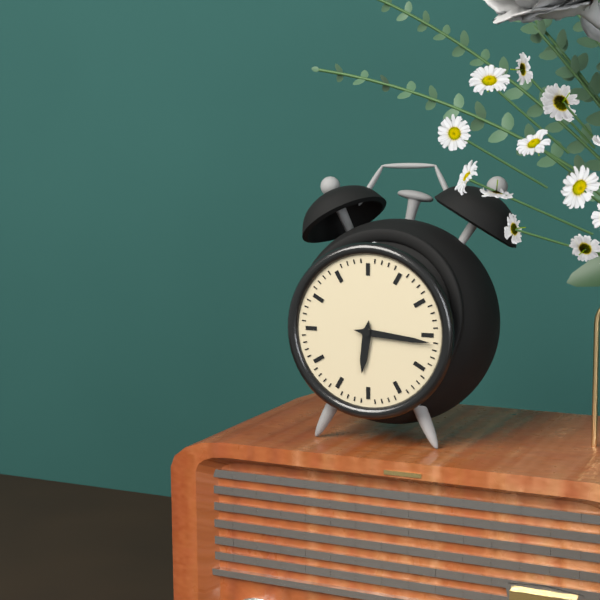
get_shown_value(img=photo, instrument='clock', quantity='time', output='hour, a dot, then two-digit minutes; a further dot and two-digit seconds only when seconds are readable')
6.16
